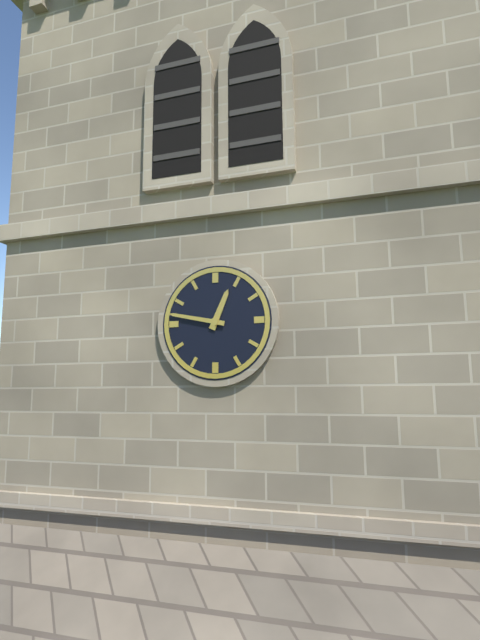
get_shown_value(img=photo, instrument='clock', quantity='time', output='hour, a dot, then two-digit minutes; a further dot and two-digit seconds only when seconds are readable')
12.47
